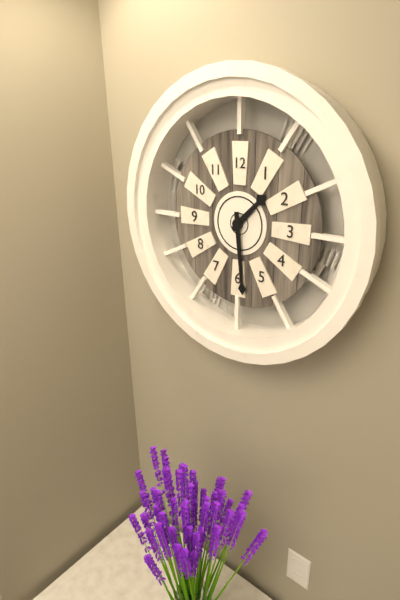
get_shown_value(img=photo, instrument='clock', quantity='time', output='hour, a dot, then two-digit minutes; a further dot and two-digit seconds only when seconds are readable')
1.29
